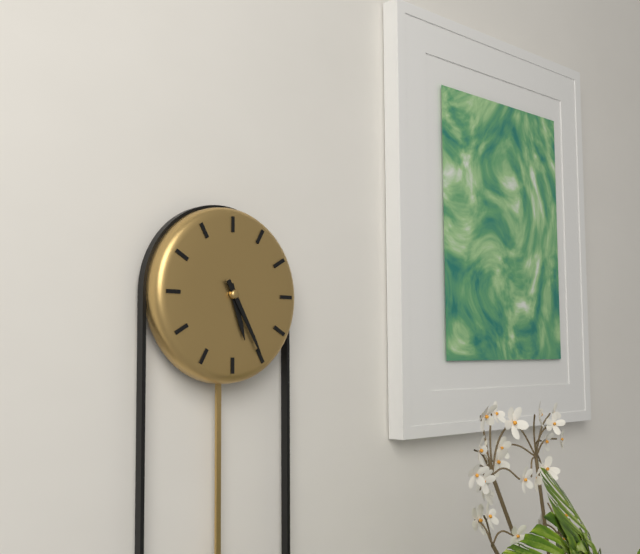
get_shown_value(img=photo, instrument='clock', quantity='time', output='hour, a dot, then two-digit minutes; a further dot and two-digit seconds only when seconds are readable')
5.25
